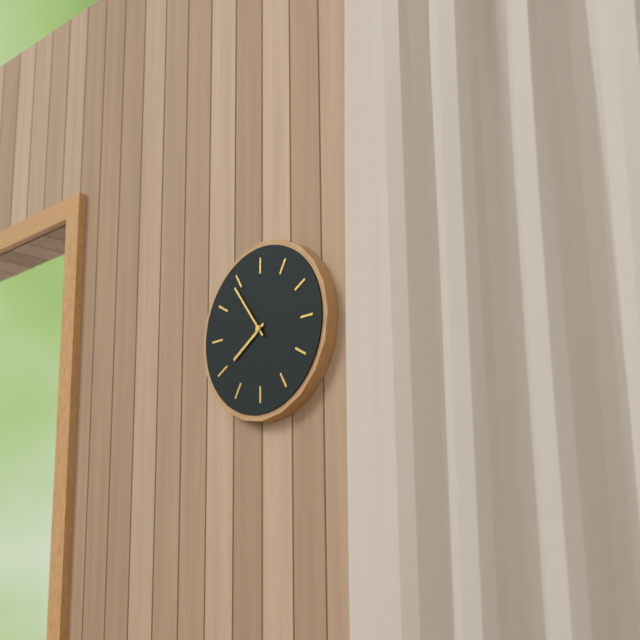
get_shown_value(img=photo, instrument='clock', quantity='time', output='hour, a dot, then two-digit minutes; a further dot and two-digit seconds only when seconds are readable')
7.54
